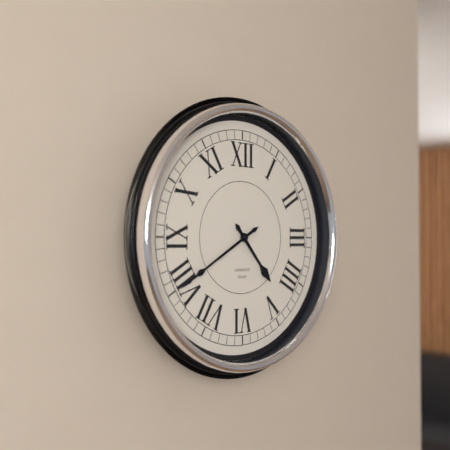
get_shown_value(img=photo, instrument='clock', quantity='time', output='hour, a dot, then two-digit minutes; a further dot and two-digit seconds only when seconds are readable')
4.40
